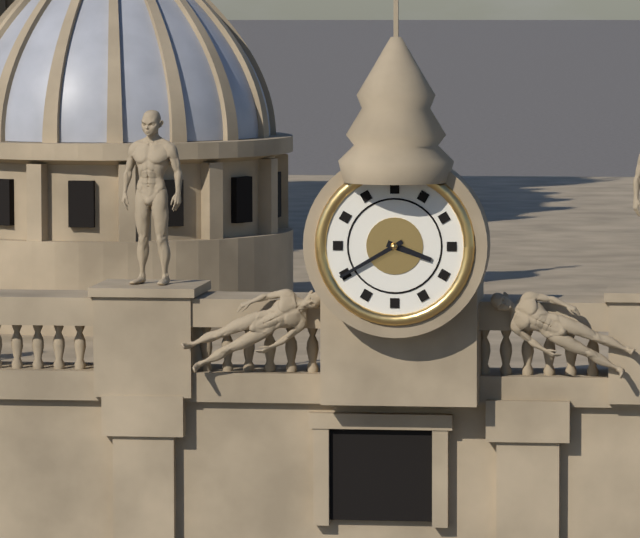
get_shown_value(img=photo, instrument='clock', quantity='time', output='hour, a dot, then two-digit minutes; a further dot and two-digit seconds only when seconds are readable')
3.40
